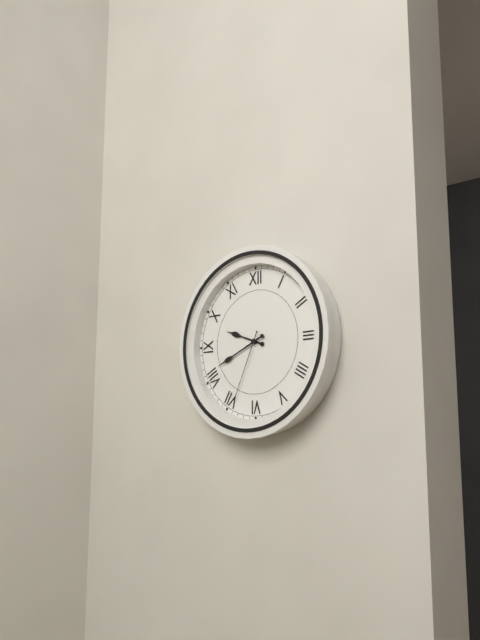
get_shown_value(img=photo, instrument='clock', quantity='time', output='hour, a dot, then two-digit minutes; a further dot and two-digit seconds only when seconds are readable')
9.41.34
